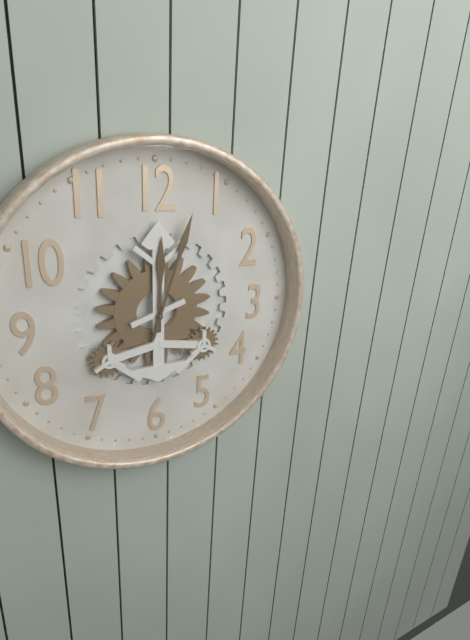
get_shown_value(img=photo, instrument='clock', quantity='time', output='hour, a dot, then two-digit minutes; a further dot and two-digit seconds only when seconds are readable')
12.03
